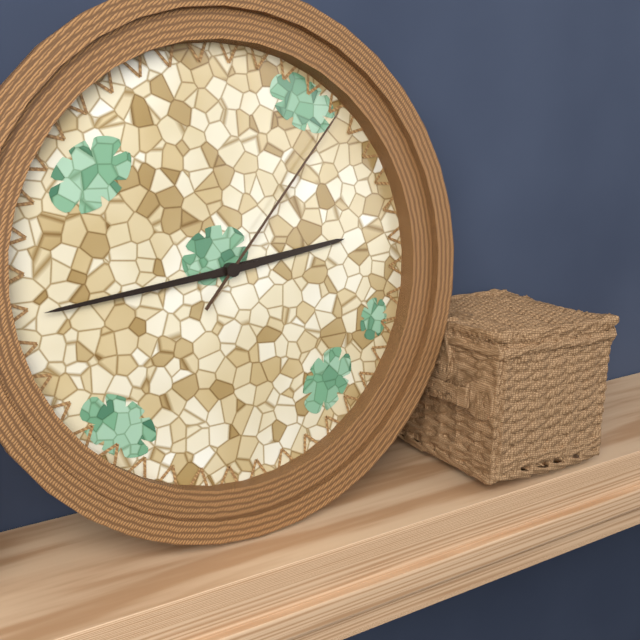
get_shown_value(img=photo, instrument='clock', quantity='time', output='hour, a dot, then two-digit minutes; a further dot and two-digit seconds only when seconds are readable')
2.44.07
